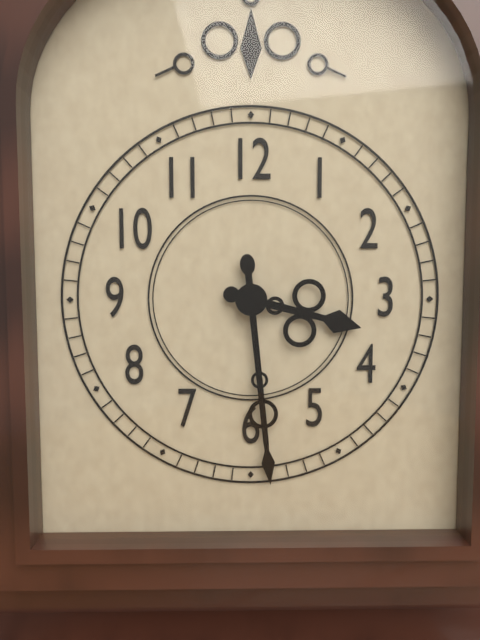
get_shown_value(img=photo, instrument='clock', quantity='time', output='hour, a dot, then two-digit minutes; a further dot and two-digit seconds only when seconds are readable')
3.29
